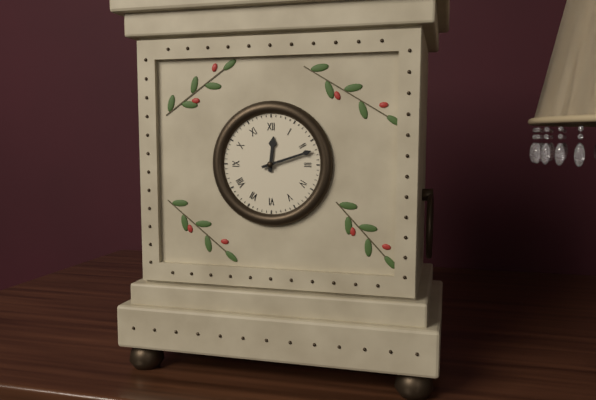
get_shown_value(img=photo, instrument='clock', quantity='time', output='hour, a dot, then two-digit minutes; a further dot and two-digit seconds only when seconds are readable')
12.12
